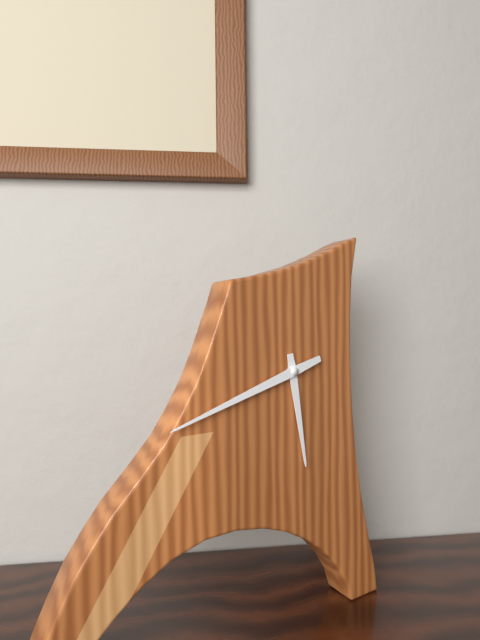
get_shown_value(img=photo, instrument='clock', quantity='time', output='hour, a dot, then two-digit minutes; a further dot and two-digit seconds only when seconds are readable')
5.42
